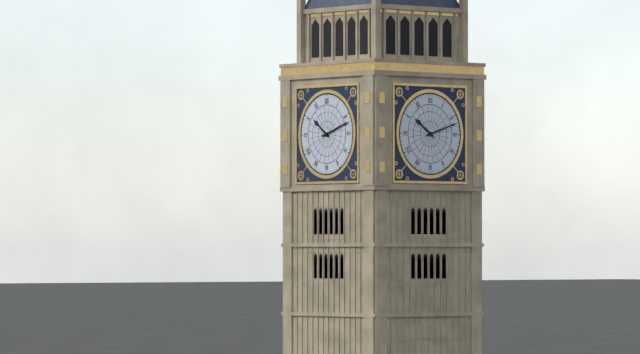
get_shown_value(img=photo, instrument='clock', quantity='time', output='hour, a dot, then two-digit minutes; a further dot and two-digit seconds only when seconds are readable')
10.12
